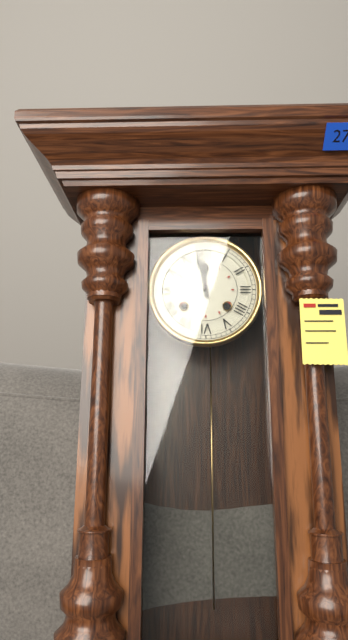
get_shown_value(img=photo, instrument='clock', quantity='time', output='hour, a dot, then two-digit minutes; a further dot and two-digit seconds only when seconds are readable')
11.58
